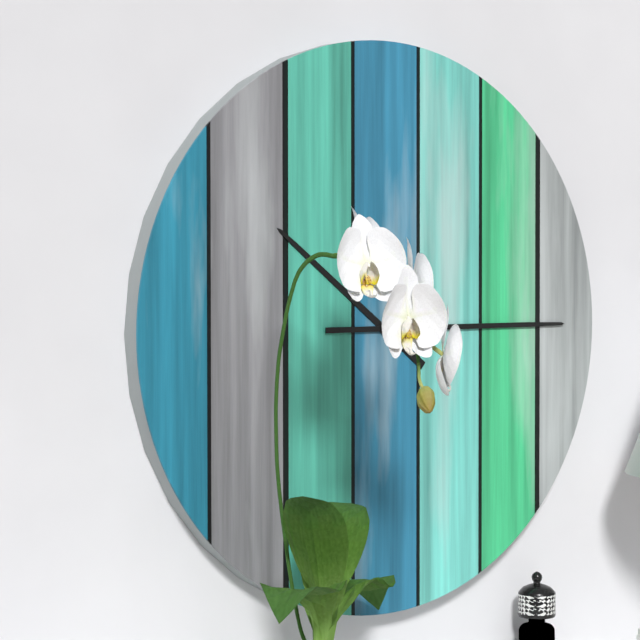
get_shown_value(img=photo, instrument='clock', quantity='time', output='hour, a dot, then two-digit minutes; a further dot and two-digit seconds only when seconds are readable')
10.15
